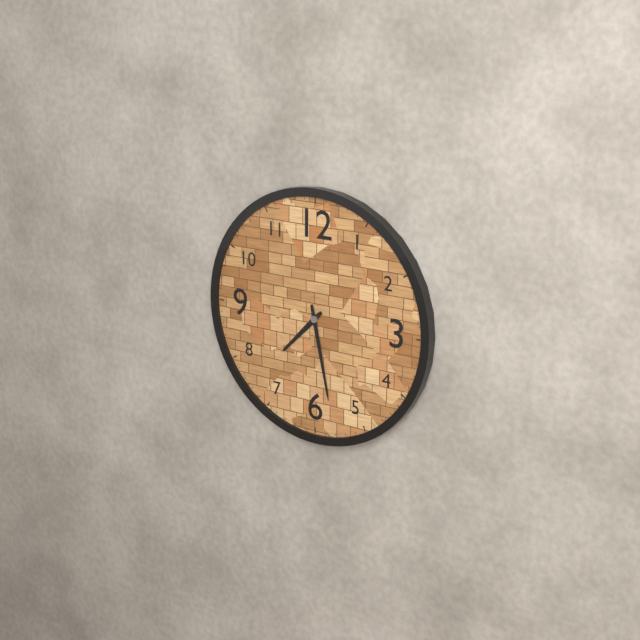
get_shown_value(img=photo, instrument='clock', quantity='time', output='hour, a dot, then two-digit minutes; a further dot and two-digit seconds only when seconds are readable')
7.28
